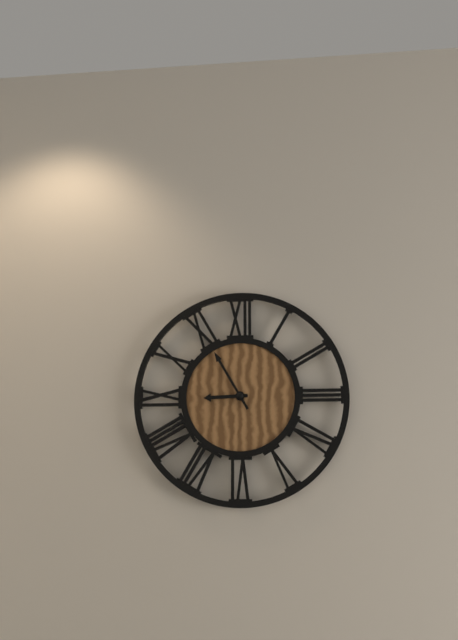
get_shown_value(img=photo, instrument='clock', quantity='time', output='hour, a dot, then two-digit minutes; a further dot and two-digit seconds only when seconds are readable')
8.55
